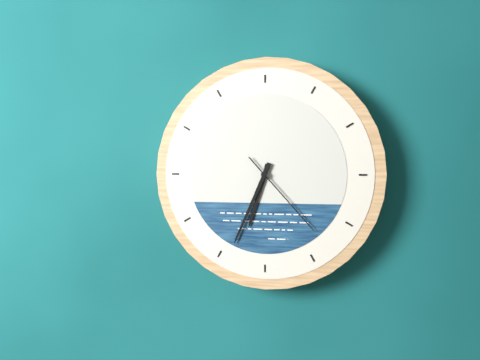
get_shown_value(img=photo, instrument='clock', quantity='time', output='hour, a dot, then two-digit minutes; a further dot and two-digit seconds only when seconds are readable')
6.34.23
